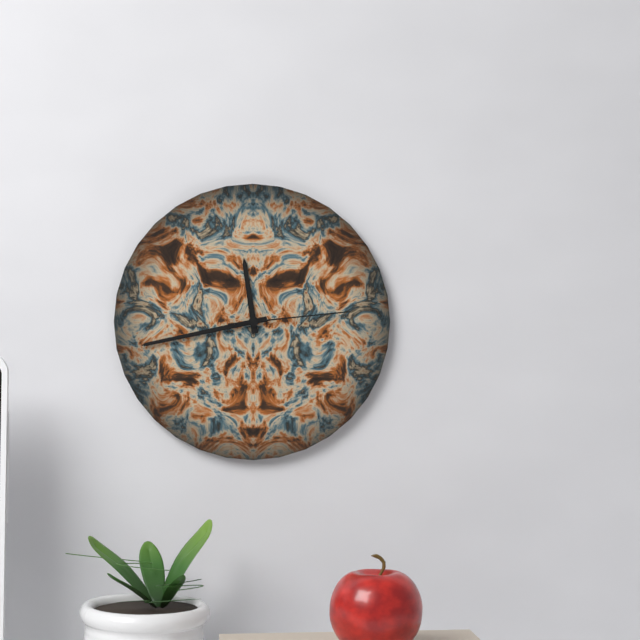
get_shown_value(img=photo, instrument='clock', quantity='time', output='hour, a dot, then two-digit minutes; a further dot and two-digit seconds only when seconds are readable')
11.43.14
